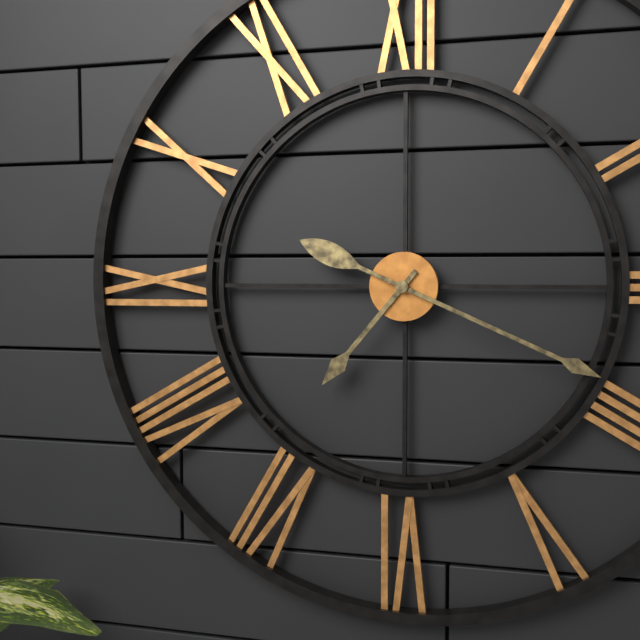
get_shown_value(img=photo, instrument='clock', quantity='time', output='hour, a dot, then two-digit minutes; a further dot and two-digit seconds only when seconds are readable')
7.19
